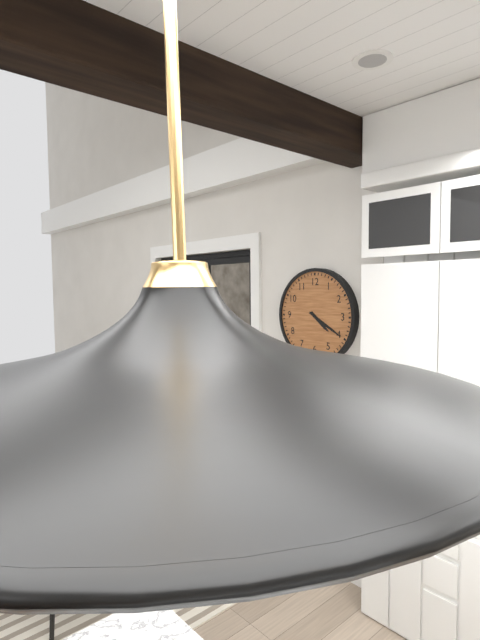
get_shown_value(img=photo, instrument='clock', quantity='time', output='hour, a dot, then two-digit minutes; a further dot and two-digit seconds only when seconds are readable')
4.20
